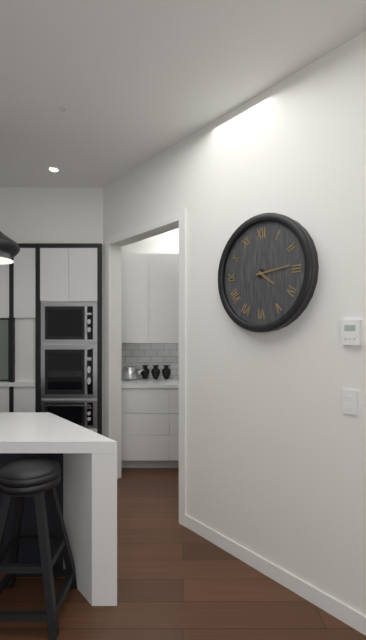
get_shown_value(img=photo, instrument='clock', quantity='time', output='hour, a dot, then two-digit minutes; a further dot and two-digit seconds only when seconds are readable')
4.14
